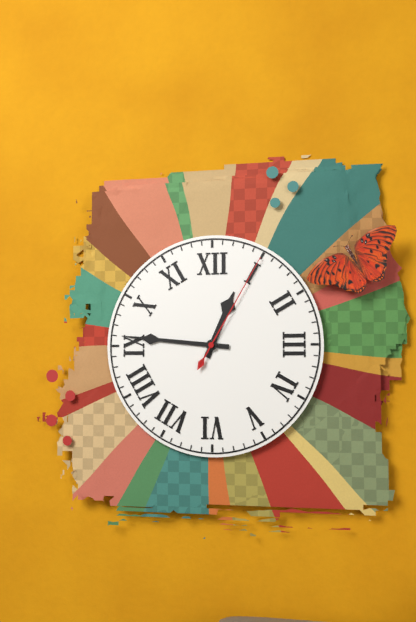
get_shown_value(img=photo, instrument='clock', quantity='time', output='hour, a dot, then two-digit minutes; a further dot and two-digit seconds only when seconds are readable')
12.46.05
